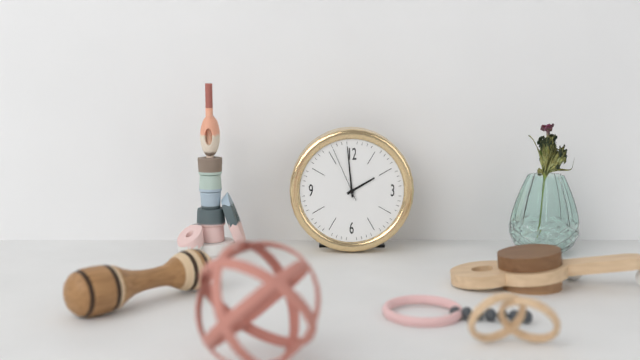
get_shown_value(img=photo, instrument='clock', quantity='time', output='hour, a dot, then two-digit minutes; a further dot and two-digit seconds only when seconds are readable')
1.59.56
